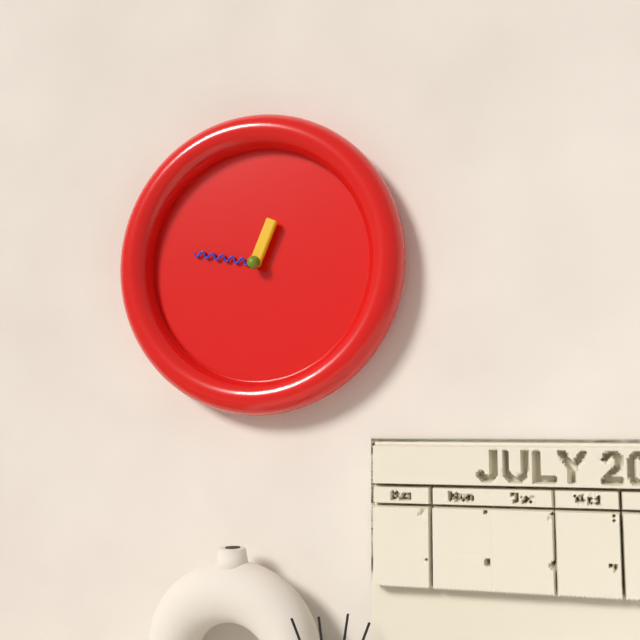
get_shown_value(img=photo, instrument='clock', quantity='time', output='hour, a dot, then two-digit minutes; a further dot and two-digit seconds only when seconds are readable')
12.47
